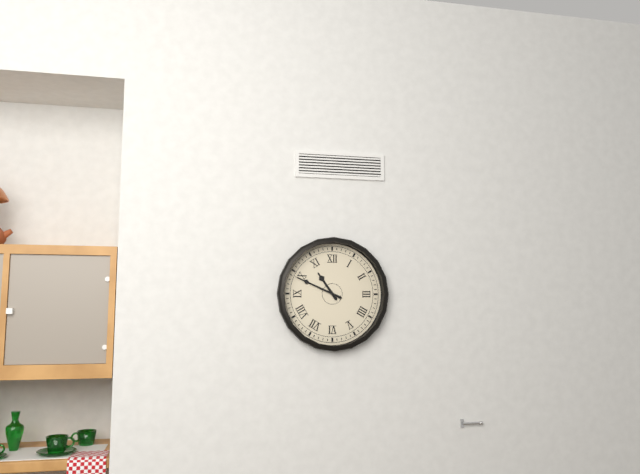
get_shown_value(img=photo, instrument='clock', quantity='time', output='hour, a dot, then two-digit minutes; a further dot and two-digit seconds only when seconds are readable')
10.49
